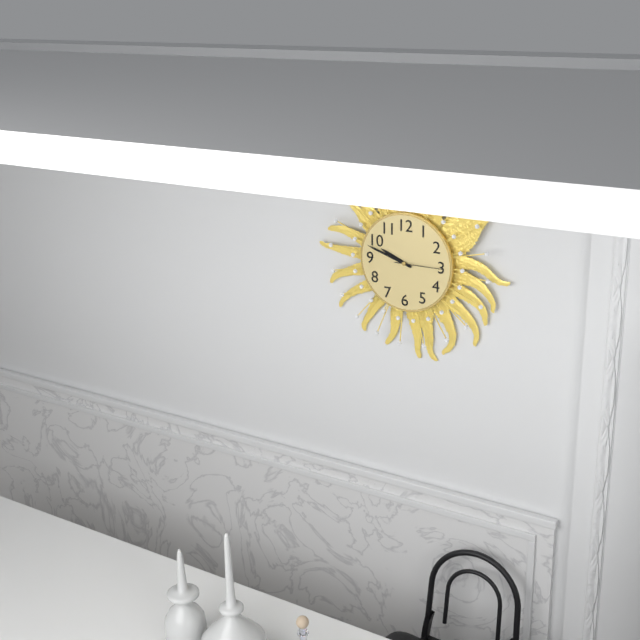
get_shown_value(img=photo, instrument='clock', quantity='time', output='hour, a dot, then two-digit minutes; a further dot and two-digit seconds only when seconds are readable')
9.48
